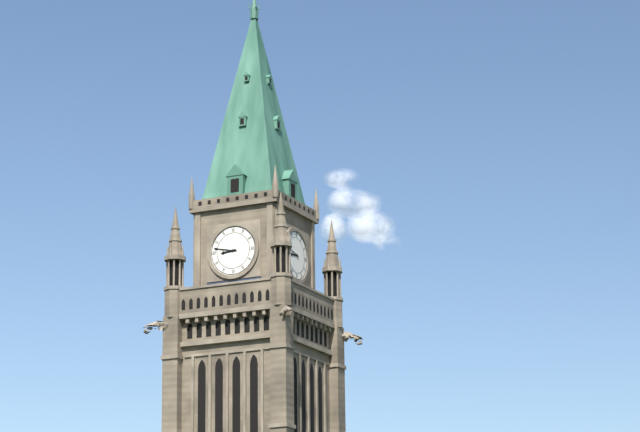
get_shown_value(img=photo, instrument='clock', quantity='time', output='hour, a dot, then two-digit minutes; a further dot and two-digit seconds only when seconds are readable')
8.47
